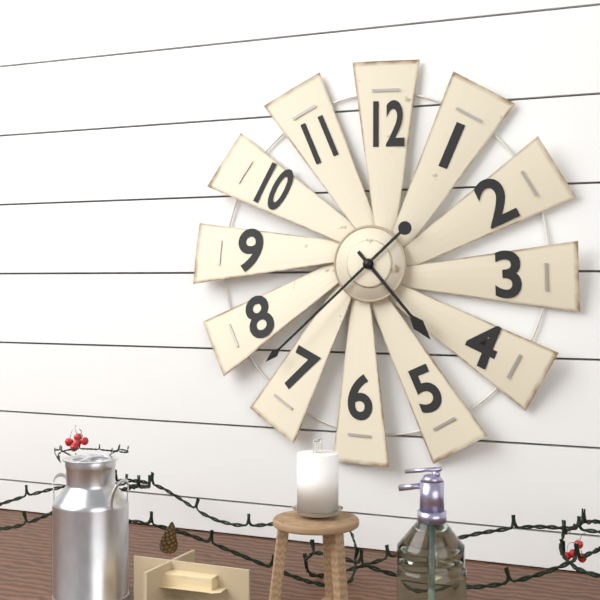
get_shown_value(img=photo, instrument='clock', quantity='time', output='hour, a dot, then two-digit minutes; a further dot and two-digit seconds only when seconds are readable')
4.38
